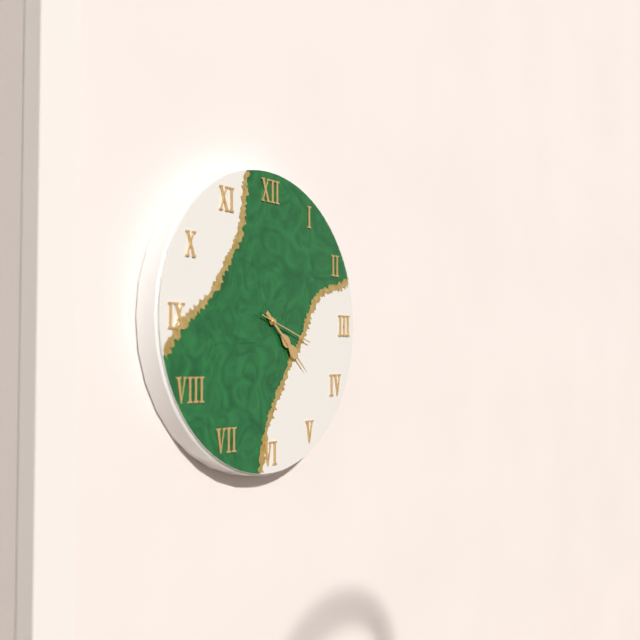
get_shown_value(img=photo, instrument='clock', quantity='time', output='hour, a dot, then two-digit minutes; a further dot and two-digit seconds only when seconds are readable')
4.22.18
